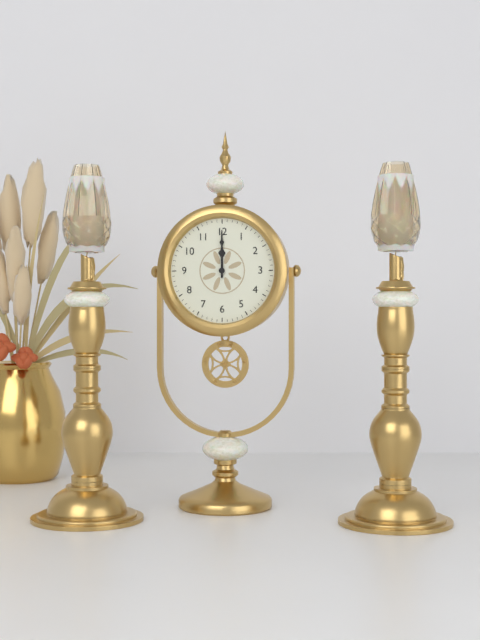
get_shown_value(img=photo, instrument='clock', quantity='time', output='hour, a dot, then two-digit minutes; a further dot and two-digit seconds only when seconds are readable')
12.00
